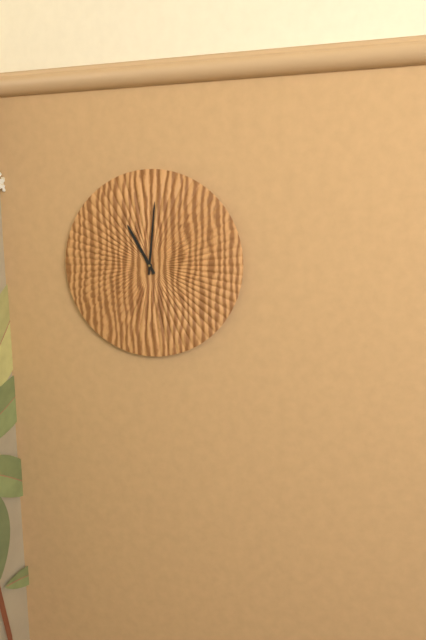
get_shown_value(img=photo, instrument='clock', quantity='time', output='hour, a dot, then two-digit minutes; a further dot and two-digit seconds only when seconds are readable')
11.01
